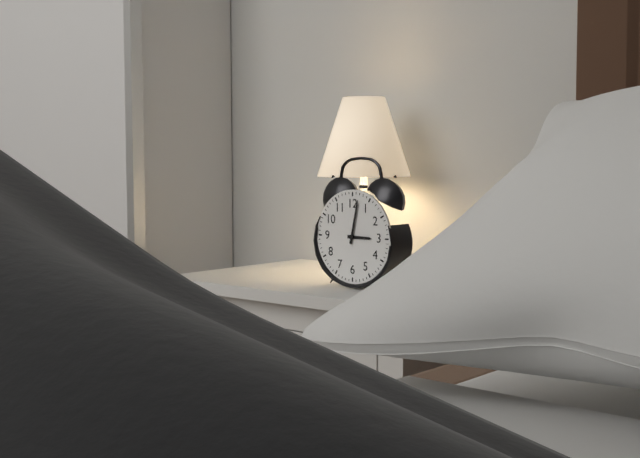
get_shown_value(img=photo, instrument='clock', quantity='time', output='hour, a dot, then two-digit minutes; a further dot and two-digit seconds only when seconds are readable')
3.02
